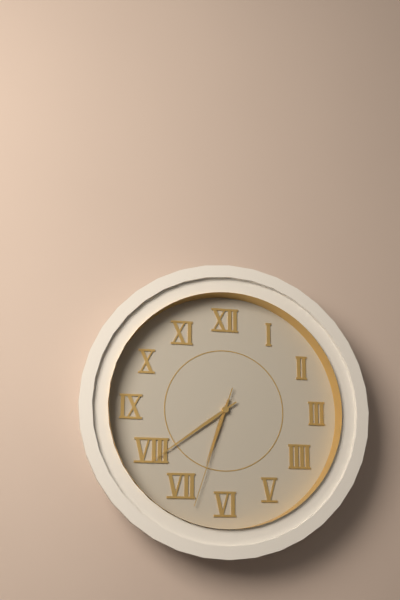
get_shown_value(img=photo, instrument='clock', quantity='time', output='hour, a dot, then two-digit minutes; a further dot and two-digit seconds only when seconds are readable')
6.39.33
